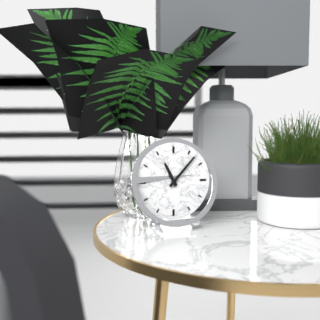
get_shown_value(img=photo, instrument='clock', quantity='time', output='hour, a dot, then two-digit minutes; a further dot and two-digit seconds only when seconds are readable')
11.07
